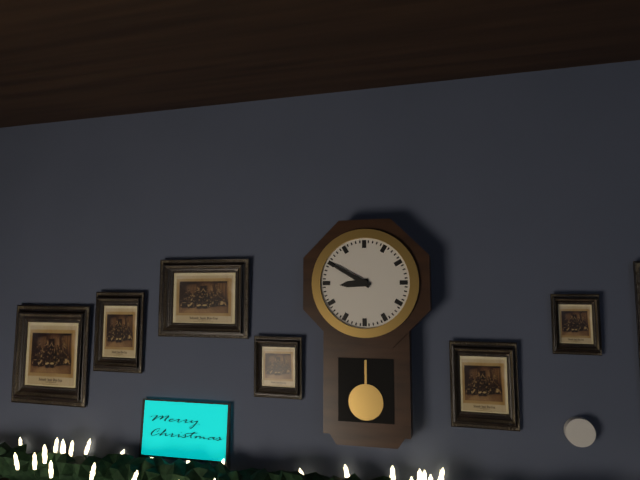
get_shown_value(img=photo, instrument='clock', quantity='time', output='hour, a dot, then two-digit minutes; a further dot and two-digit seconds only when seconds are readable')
8.50
